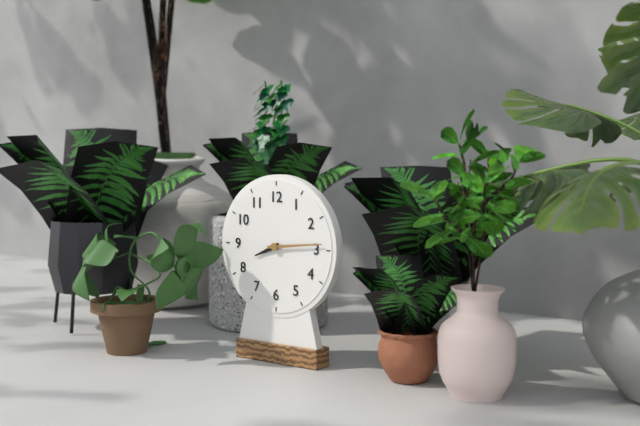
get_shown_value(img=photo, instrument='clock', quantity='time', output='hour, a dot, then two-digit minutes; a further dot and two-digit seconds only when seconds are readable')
8.14
